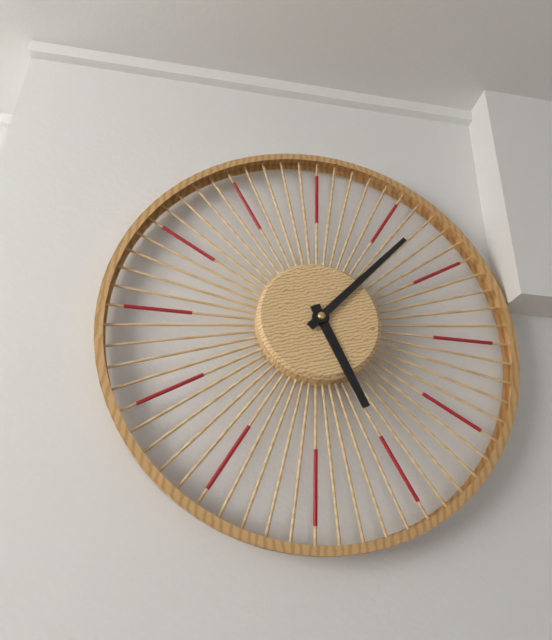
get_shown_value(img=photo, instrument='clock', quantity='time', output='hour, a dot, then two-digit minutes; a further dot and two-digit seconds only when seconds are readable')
5.07
